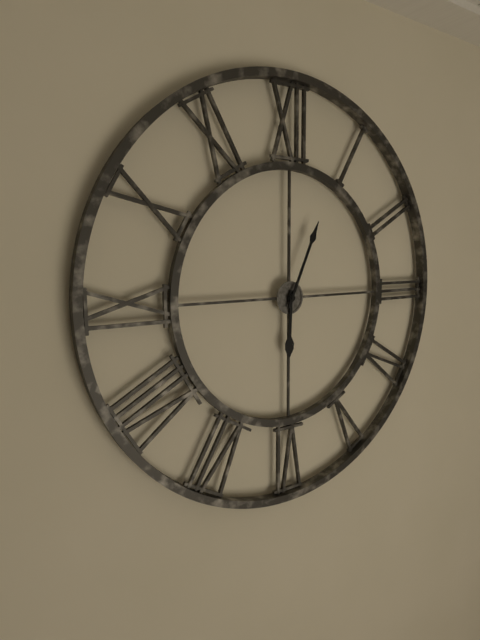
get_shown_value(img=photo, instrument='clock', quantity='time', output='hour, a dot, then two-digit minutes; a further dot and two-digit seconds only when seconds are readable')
6.04
